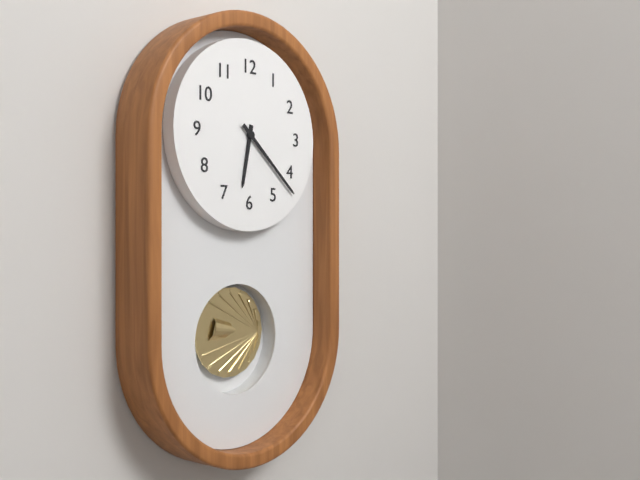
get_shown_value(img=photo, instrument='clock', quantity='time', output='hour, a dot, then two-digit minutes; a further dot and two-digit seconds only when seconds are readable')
6.22
